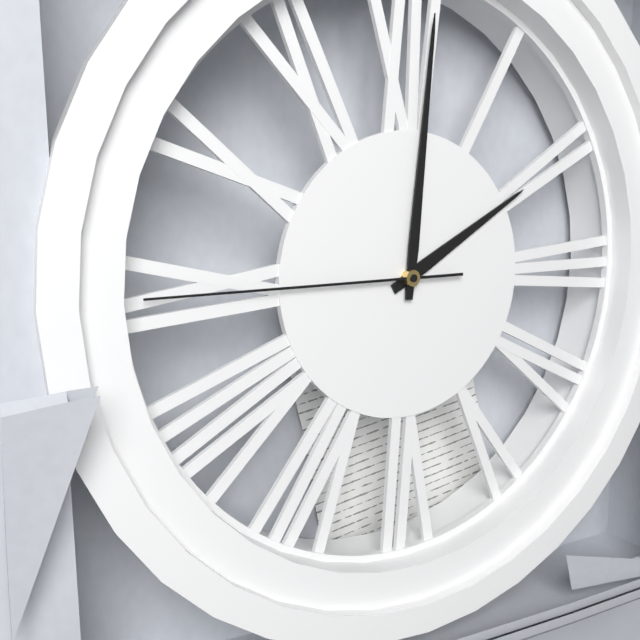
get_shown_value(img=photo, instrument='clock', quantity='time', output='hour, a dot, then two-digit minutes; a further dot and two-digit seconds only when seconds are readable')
2.01.45
